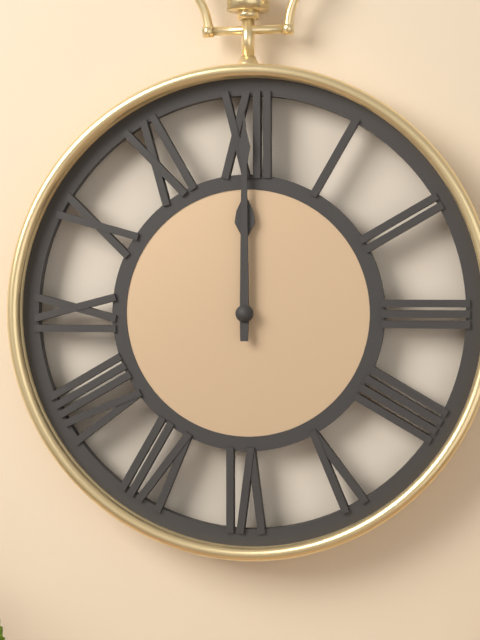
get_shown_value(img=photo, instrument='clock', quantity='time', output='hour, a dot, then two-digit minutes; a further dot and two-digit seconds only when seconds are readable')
12.00
